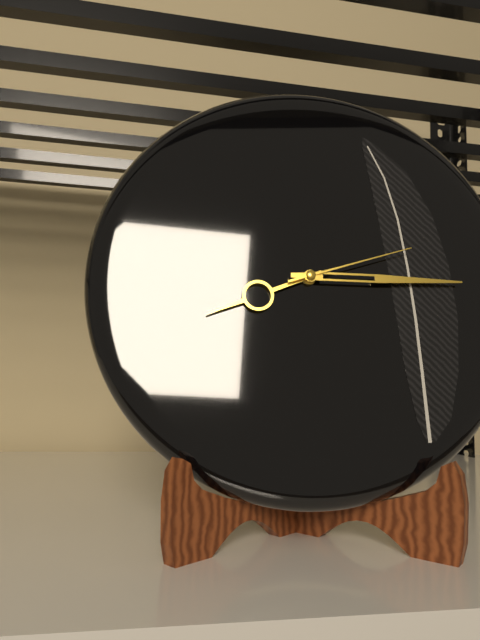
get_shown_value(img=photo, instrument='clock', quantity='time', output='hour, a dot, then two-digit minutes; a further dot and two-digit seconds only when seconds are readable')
8.15.12
